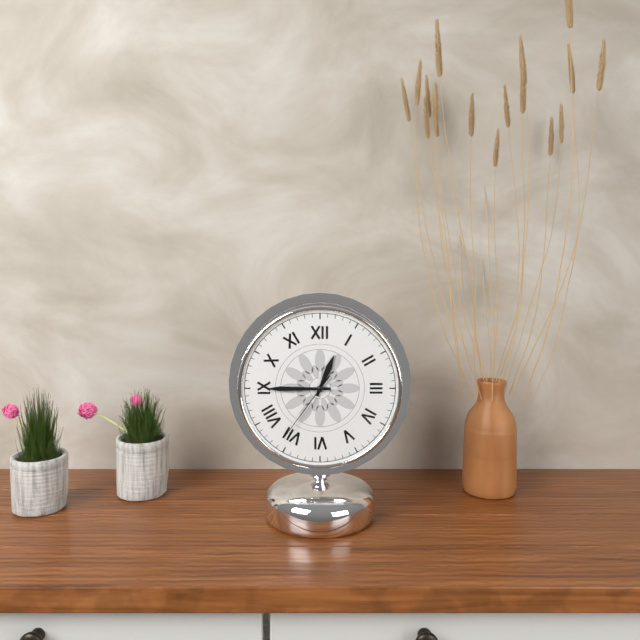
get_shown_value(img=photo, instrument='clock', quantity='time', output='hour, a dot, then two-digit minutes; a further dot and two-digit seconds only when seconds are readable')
12.45.36
